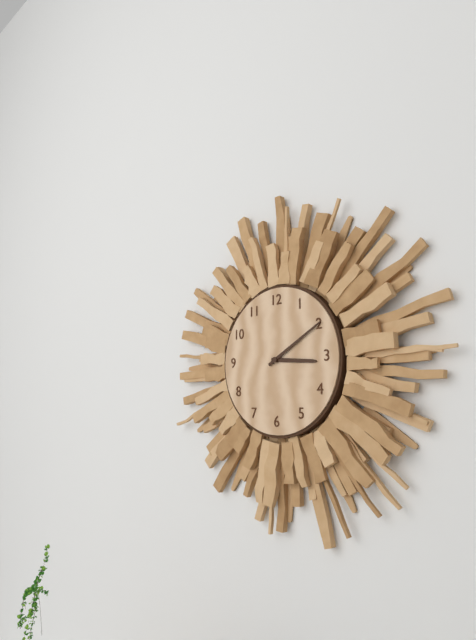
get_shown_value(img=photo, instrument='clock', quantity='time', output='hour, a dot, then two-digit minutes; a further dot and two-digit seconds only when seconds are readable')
3.10
